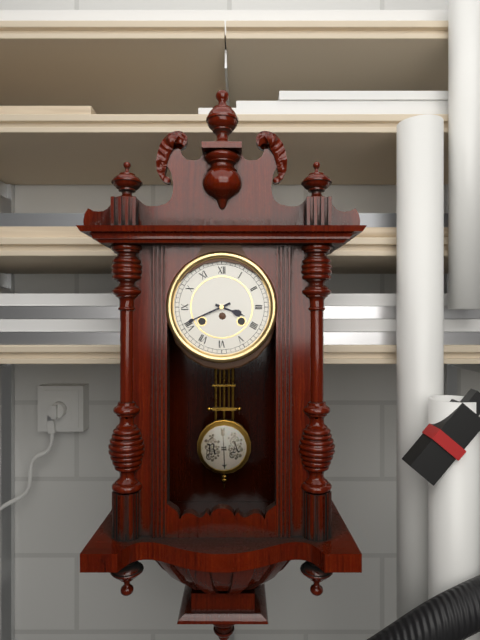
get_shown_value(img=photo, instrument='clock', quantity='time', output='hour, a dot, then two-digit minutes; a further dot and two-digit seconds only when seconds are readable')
3.41
